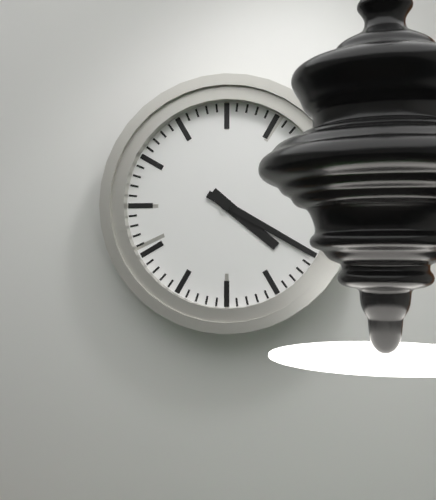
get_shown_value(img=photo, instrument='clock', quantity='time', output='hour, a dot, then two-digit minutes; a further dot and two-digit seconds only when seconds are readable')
4.20
